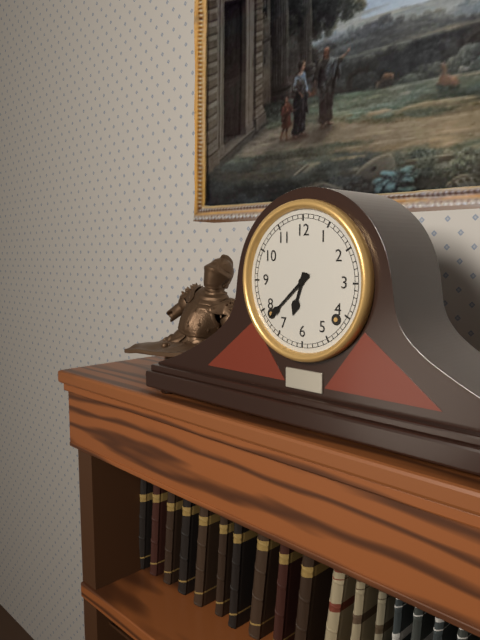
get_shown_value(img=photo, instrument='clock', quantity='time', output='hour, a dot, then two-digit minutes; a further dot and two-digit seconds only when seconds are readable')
6.38
